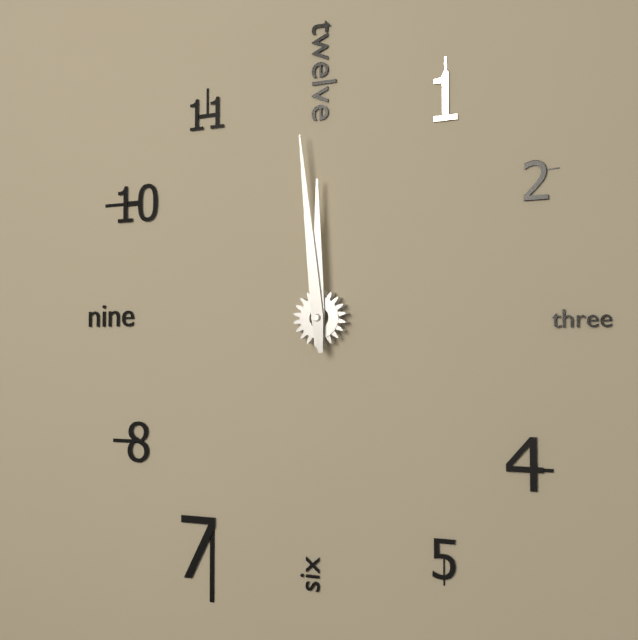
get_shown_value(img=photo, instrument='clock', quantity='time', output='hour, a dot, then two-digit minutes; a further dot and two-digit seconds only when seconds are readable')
11.59
